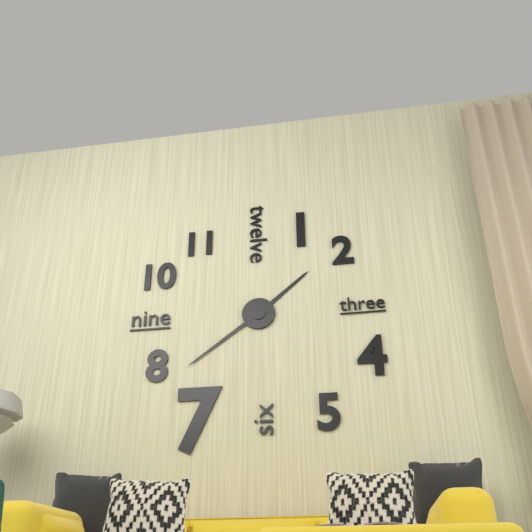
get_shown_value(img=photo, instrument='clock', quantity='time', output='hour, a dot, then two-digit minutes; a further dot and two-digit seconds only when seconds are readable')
1.39
